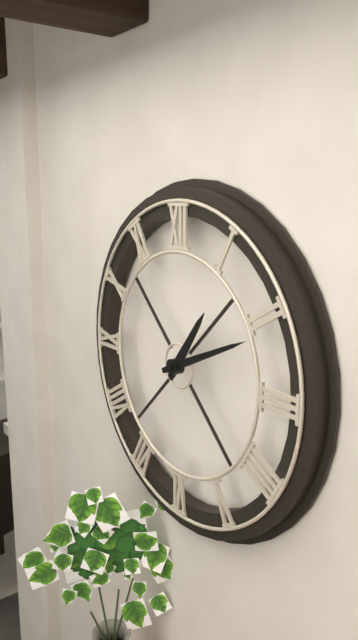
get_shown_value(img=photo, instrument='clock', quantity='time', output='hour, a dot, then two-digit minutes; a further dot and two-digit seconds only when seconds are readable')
1.11
